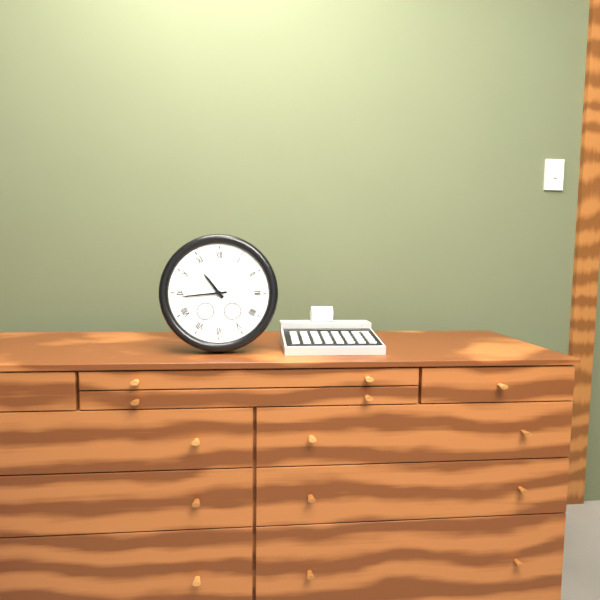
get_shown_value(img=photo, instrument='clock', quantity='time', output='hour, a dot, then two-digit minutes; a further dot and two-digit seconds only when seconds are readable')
10.44
